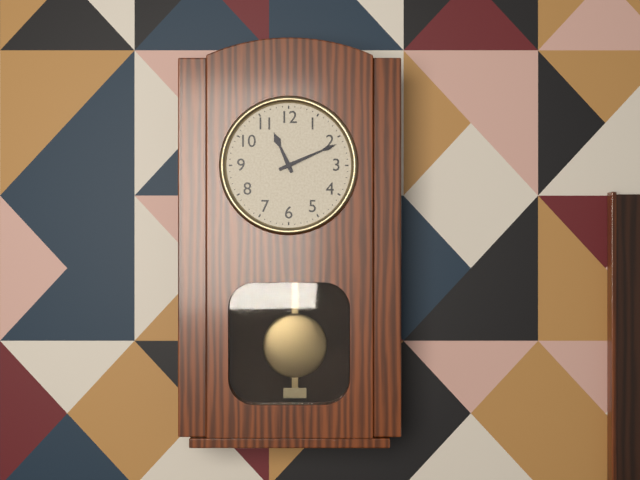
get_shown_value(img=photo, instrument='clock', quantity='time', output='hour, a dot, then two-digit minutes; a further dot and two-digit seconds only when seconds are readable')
11.11
